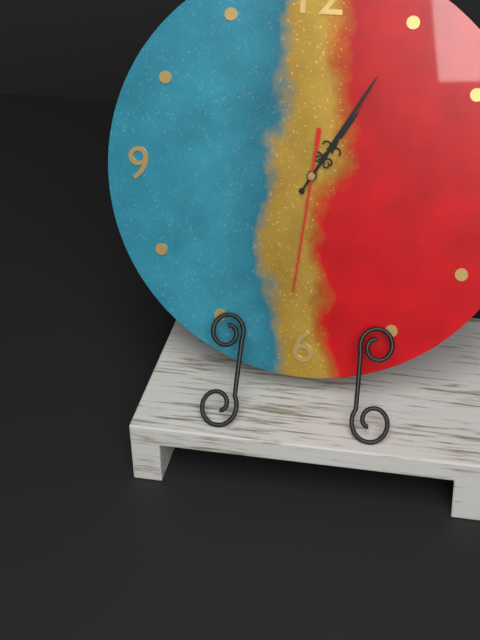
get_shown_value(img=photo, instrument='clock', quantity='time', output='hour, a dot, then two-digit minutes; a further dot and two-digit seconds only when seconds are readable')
1.05.31
